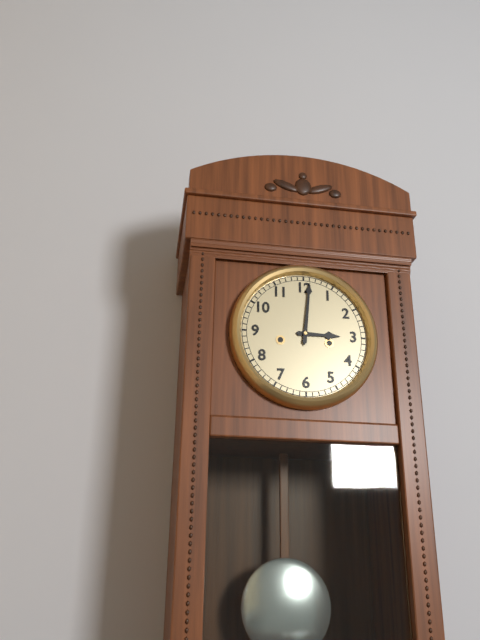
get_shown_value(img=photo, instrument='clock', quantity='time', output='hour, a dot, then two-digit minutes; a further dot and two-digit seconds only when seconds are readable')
3.01
